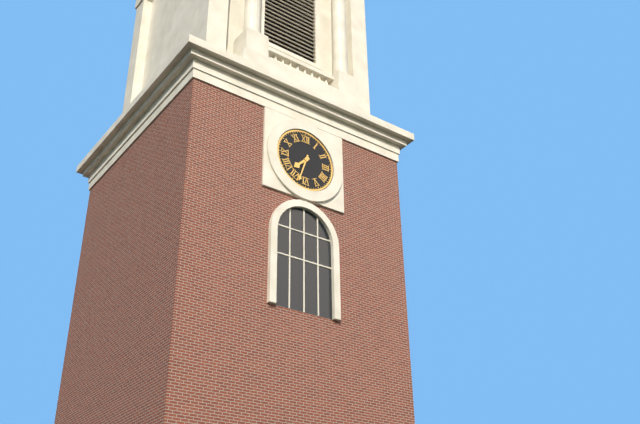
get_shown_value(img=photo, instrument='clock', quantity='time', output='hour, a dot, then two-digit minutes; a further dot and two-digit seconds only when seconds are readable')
7.33
